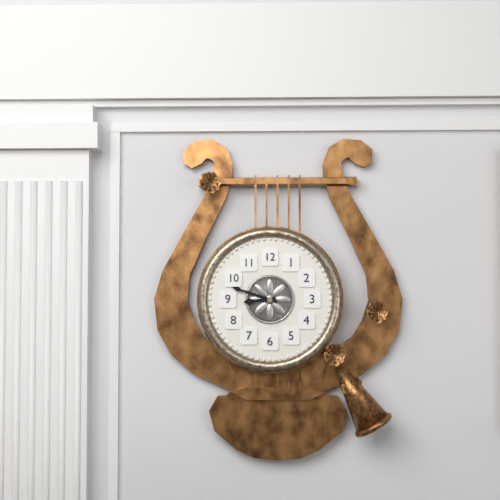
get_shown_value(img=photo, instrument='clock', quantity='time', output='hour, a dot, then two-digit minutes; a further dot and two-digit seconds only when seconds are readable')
8.48
